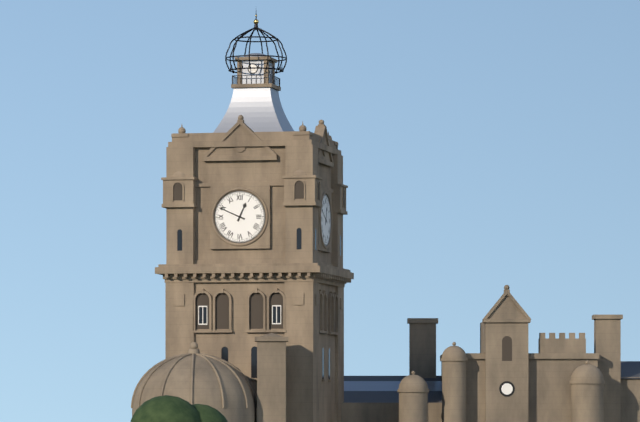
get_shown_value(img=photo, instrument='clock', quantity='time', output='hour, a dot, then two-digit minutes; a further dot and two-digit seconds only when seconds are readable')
12.49
